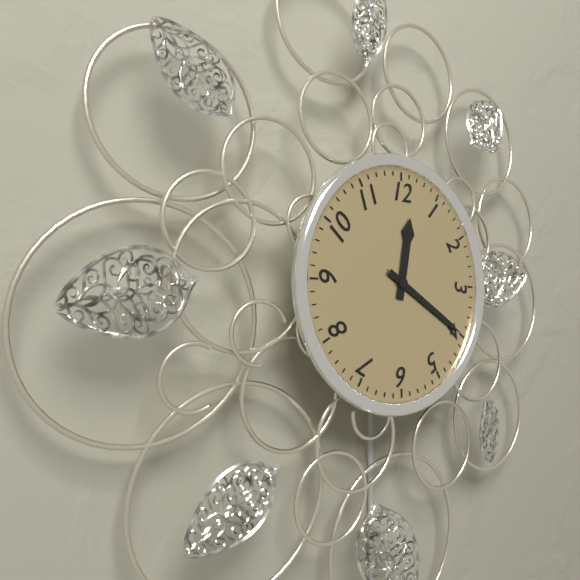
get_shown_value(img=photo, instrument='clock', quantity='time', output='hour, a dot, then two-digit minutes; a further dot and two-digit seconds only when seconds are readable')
12.20
